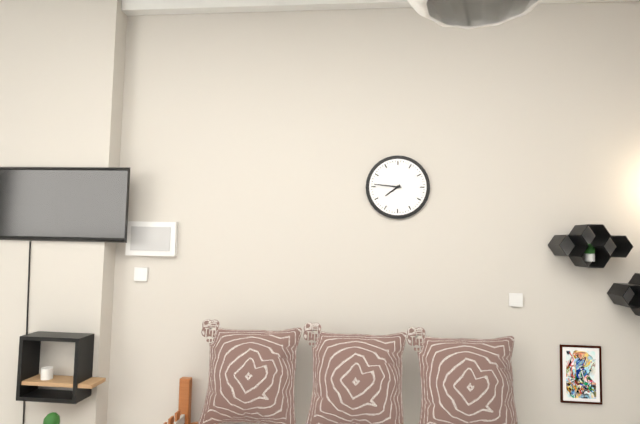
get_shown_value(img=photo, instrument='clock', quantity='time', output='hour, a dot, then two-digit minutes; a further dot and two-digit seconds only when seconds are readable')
7.46
